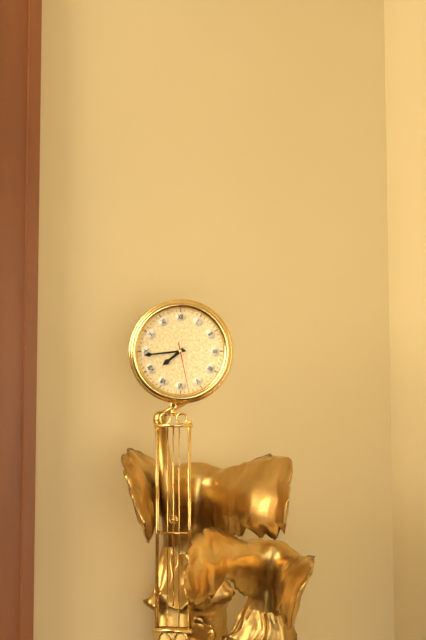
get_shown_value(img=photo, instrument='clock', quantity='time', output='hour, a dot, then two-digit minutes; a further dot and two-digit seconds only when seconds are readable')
7.44
